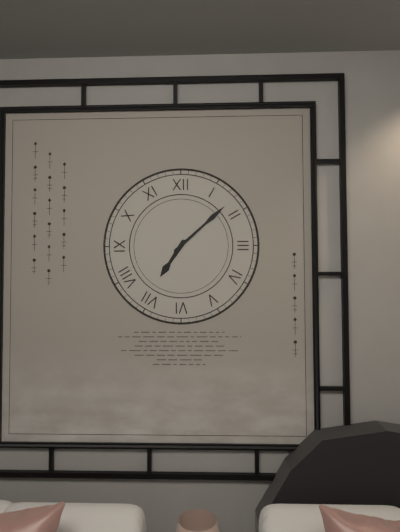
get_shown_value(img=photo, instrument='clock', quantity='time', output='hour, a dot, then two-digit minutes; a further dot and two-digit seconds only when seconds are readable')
7.08
